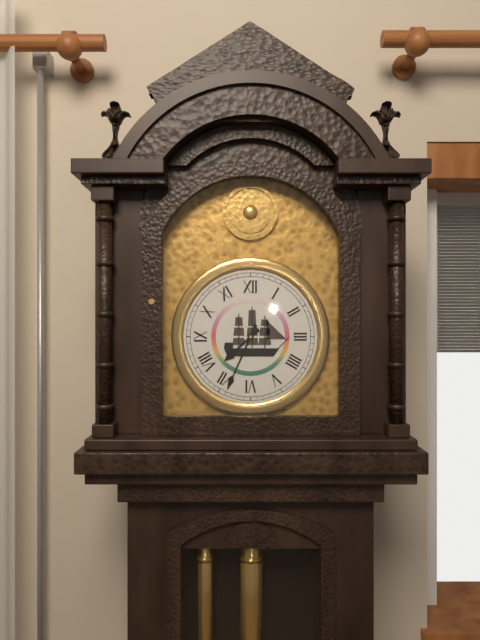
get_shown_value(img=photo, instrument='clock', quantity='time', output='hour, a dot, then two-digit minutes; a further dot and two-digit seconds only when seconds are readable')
7.34
